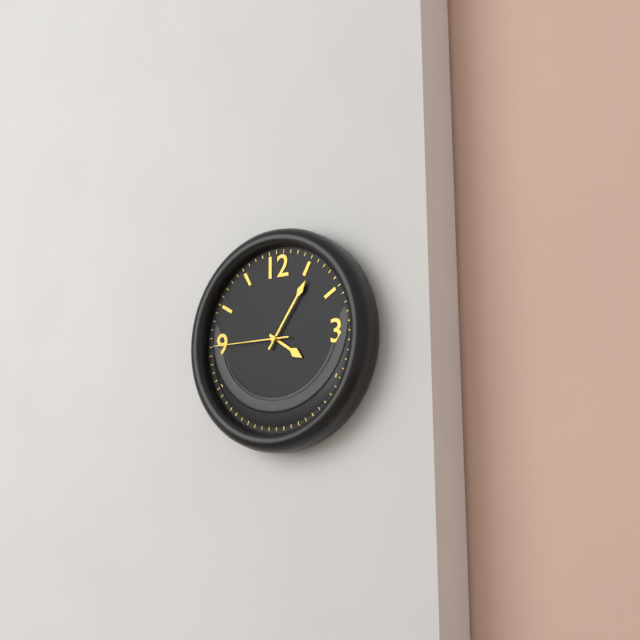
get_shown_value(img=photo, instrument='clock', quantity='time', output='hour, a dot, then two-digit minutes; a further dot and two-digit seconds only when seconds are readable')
4.06.45
